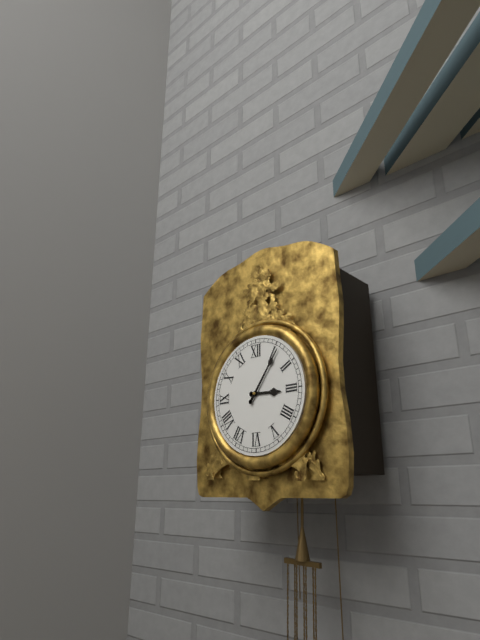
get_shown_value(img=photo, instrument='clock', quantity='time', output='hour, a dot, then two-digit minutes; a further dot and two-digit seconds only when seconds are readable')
3.06
